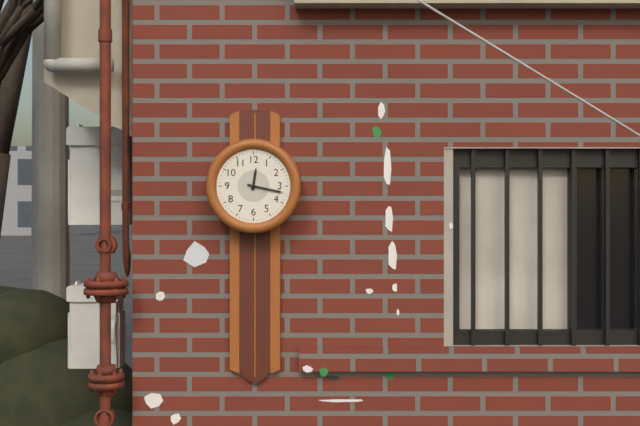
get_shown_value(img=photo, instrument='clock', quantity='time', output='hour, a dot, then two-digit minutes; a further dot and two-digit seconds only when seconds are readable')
12.17
